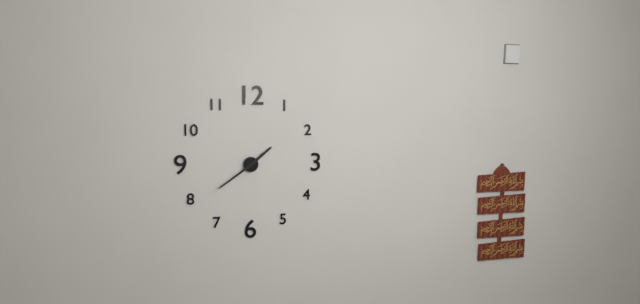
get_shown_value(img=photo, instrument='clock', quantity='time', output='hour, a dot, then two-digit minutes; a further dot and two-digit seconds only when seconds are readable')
1.39
